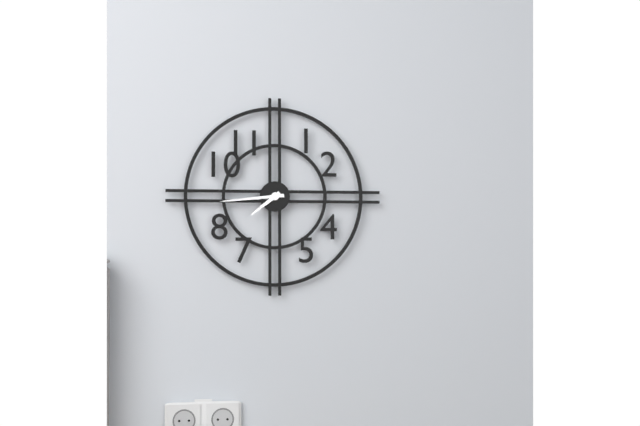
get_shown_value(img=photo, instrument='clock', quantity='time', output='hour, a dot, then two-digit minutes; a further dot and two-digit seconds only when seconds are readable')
7.44
